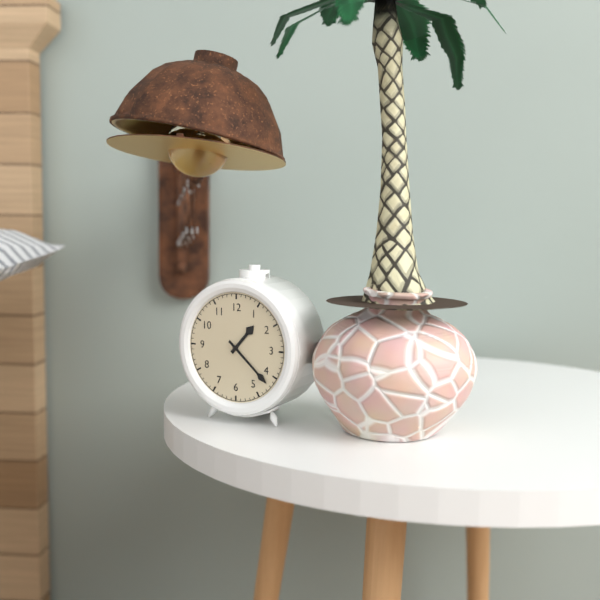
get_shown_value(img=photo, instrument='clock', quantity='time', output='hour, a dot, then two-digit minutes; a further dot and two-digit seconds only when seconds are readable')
1.22
